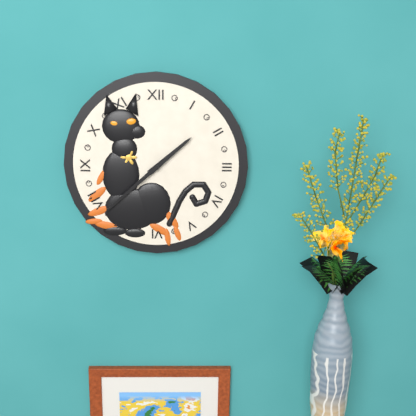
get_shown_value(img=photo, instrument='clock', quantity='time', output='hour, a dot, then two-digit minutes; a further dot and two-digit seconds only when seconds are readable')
1.38
